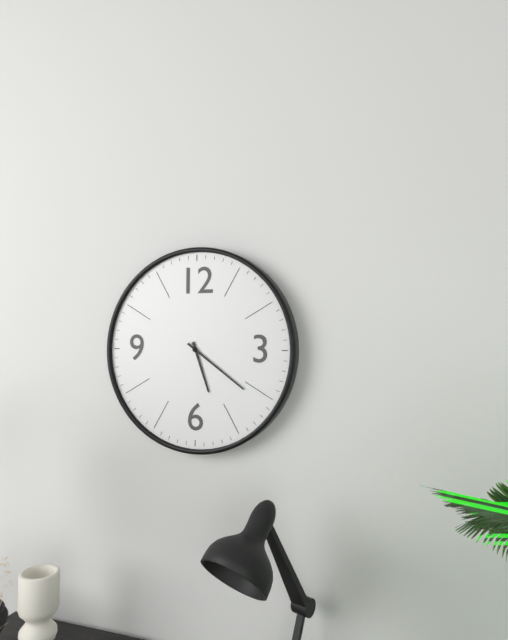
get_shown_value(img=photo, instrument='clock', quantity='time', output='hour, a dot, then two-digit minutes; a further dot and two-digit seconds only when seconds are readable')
5.21
